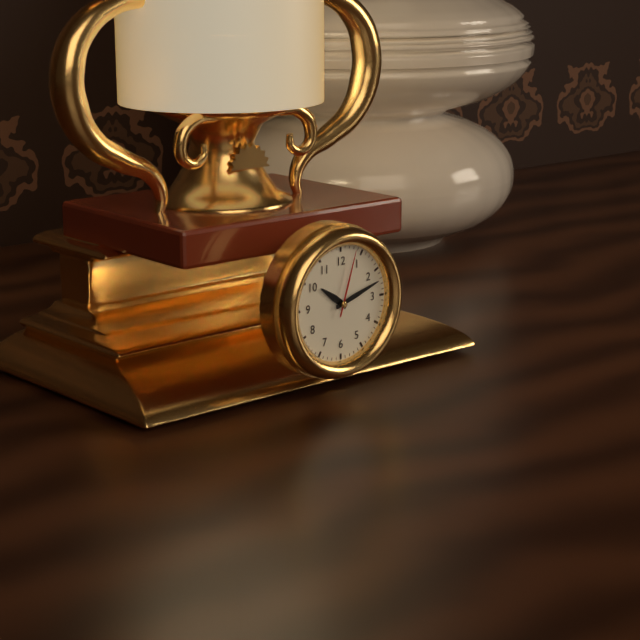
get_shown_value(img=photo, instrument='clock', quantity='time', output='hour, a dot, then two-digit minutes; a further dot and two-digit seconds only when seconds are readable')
10.12.03
